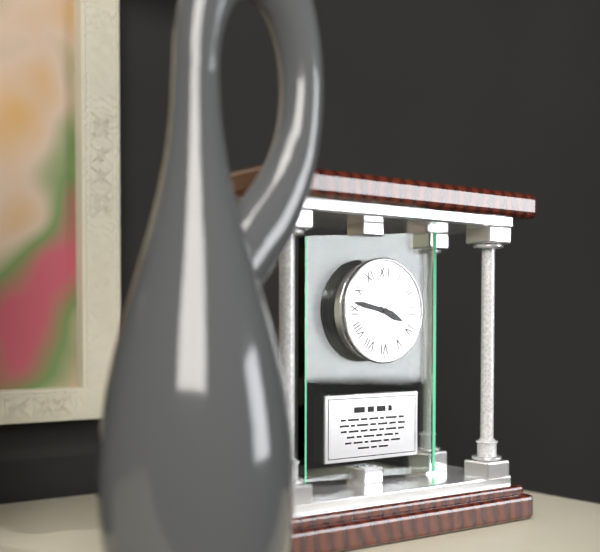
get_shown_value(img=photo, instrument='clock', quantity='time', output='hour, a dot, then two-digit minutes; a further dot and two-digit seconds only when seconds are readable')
3.47
